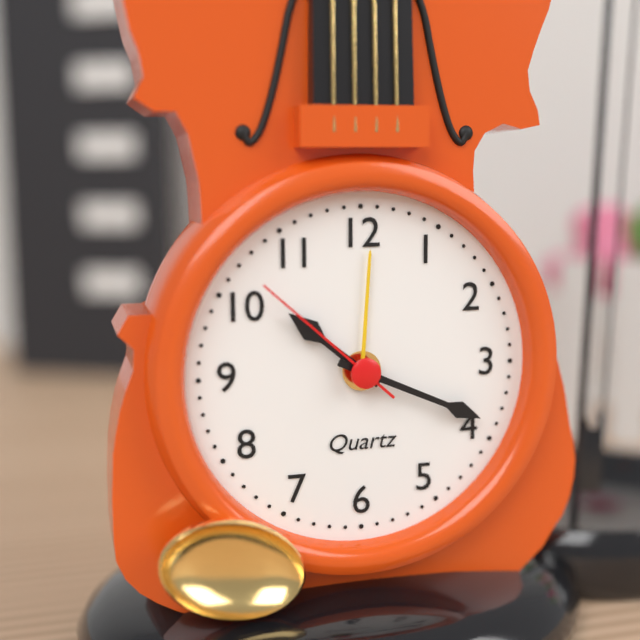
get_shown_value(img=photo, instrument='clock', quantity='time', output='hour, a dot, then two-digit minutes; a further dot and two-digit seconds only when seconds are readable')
10.19.52
